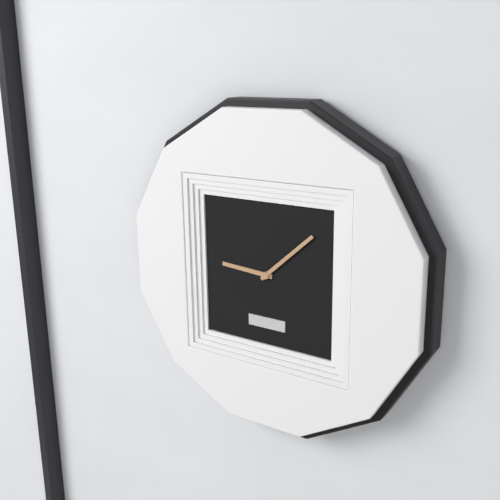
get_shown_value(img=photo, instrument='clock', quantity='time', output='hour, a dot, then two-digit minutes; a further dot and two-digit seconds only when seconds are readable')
9.08
